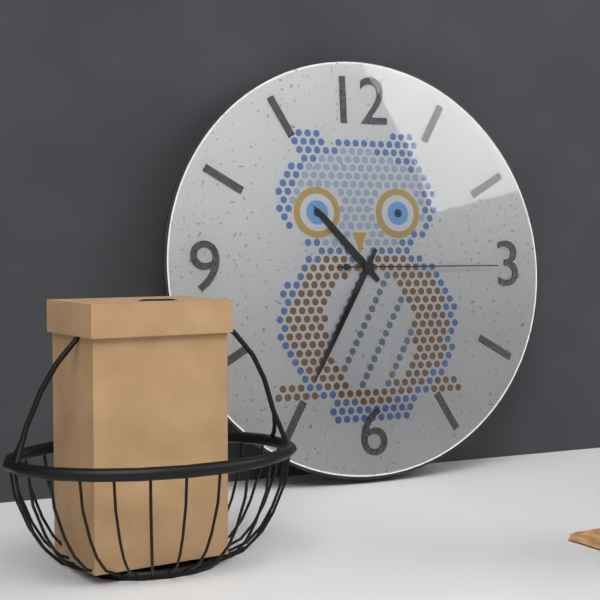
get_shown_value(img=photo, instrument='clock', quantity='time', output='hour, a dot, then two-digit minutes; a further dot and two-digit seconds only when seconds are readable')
10.35.15
